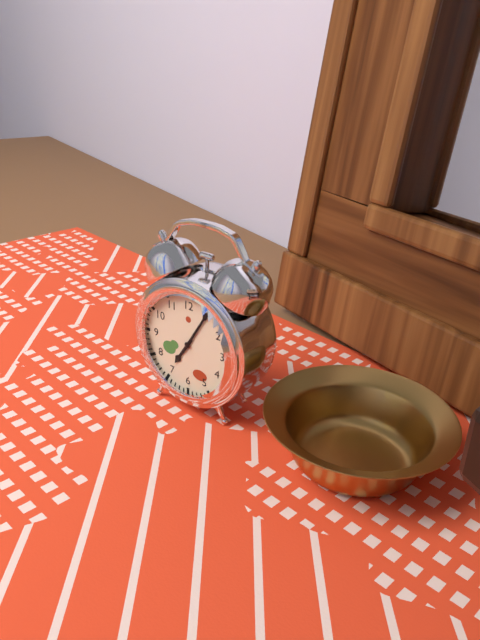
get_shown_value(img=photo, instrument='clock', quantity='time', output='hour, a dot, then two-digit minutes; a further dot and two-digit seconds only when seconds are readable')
7.05
